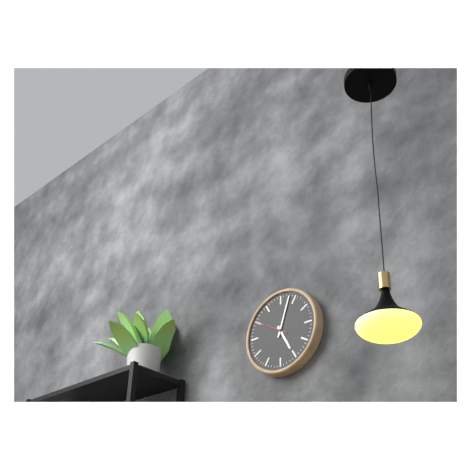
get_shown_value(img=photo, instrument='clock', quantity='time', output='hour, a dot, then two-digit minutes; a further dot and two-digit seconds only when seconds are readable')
5.03
